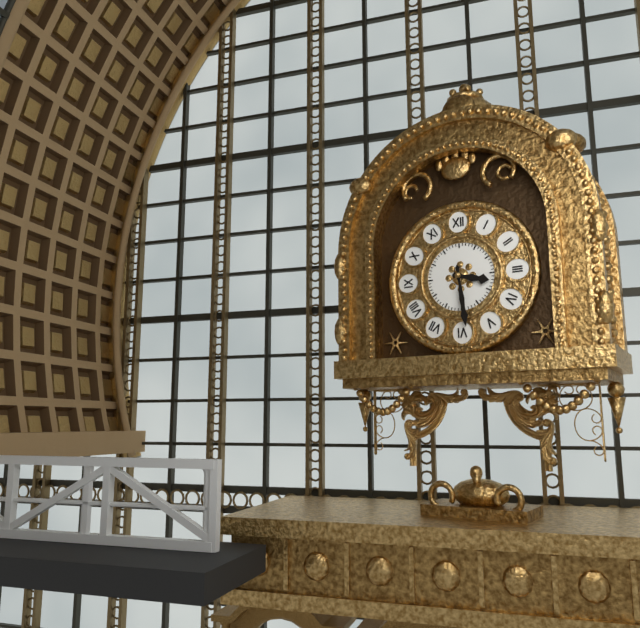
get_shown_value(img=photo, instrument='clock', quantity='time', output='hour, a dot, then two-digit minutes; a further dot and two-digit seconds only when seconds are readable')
3.29
